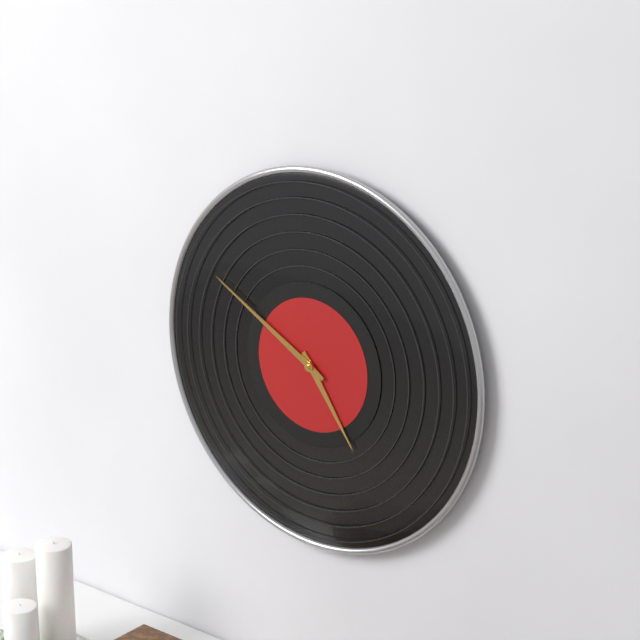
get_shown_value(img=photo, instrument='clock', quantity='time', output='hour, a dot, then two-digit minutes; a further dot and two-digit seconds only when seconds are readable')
4.50
